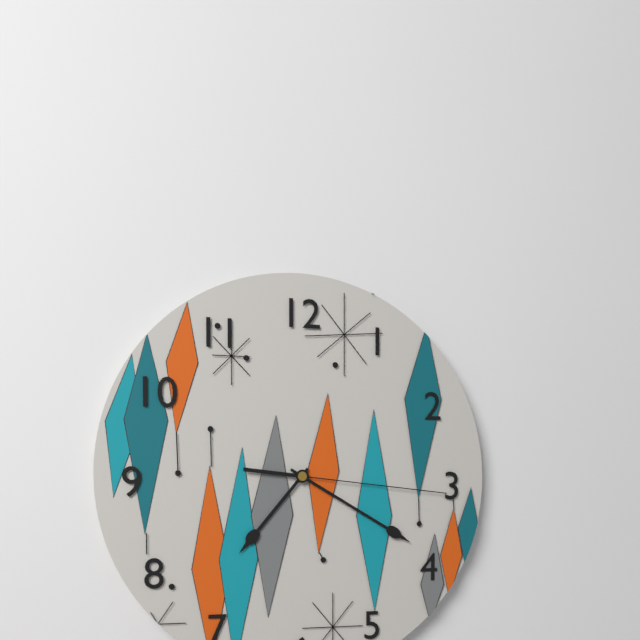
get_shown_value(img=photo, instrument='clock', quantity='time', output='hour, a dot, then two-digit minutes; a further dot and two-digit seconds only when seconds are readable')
7.20.16
